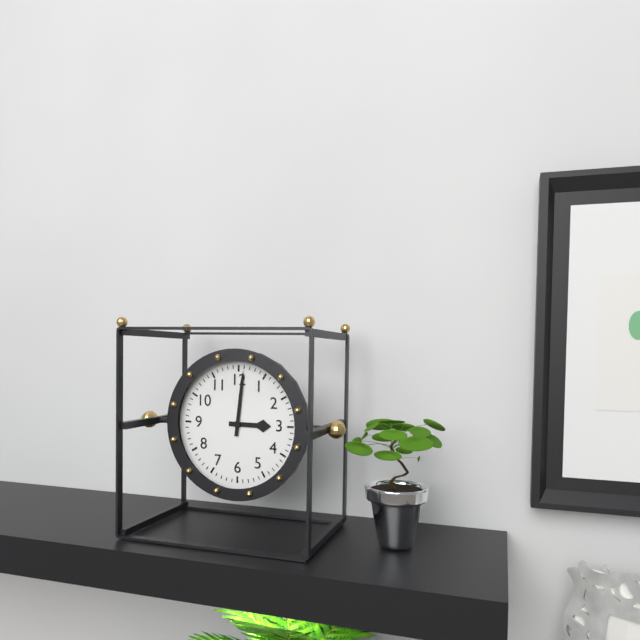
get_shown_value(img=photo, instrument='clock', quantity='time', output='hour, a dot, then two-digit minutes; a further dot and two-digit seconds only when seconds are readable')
3.01
